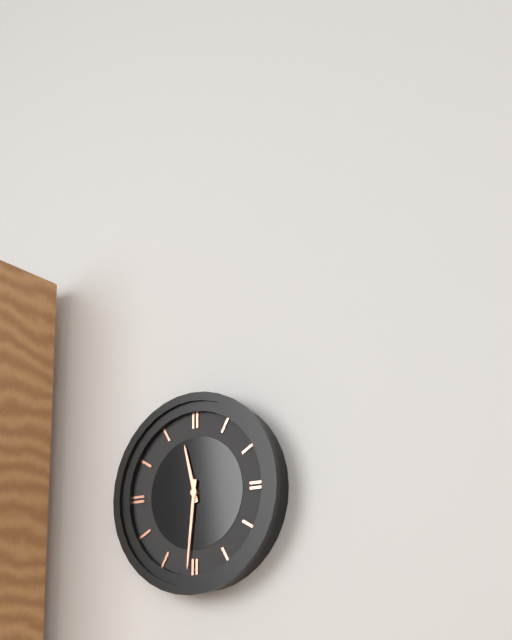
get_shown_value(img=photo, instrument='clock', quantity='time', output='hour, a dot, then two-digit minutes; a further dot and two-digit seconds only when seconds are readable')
11.31
